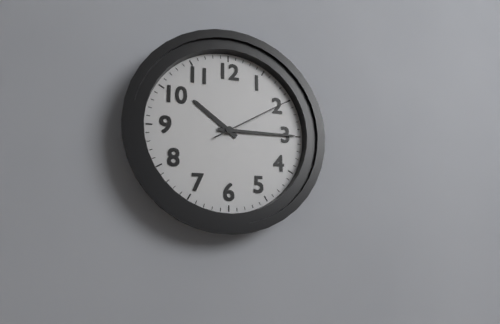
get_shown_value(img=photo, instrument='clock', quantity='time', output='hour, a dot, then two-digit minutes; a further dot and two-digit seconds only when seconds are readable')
10.15.10
